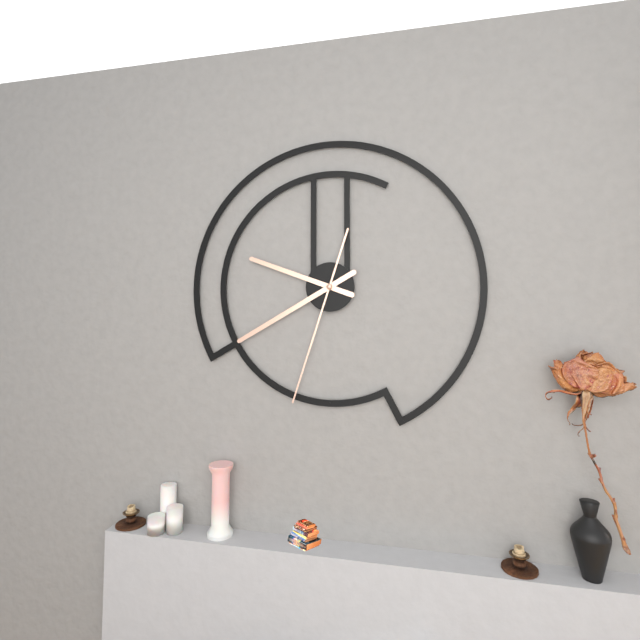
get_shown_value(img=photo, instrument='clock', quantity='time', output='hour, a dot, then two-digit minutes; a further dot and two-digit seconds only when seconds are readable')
9.40.33
